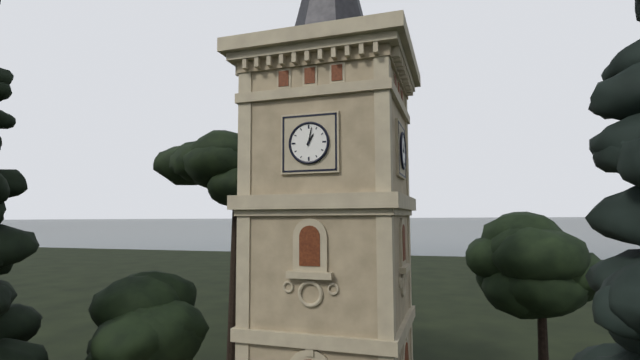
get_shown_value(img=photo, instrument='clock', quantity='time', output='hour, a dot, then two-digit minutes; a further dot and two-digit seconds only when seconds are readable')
1.02
